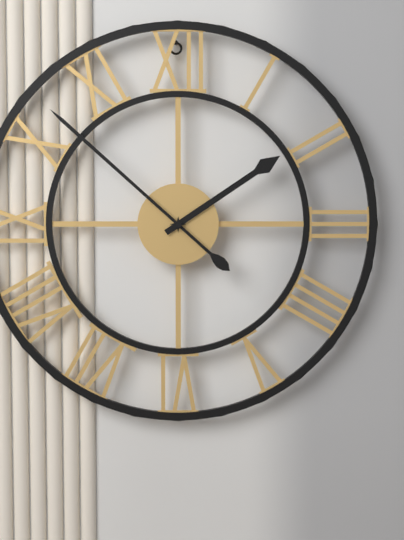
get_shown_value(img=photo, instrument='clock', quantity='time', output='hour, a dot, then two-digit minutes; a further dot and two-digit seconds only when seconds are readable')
1.52
